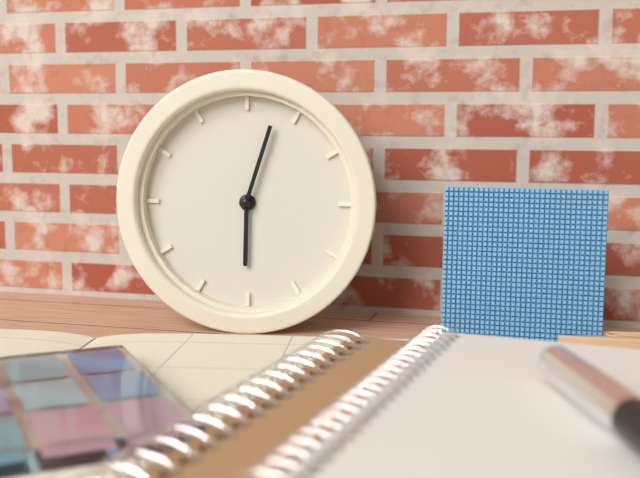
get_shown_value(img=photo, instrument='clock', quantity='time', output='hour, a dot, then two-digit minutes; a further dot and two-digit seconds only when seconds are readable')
6.03
